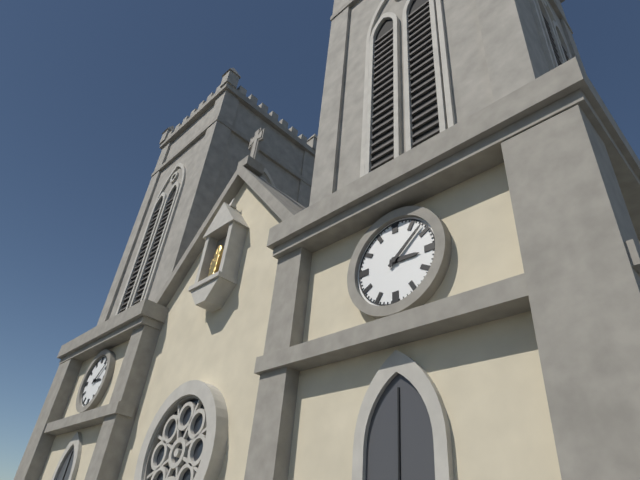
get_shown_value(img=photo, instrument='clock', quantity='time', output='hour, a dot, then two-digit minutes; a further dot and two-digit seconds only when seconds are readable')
3.08
